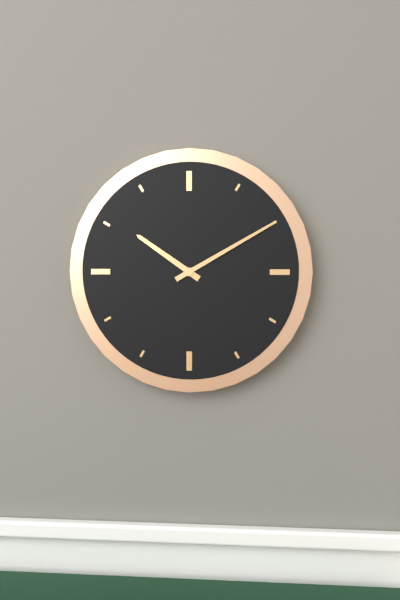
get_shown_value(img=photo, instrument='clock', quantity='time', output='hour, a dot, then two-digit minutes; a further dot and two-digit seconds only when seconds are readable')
10.10
